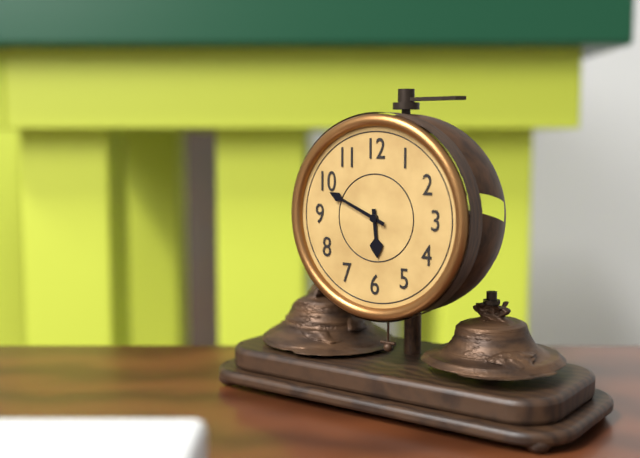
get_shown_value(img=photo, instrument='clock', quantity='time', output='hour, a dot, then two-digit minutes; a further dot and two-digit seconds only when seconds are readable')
5.49
